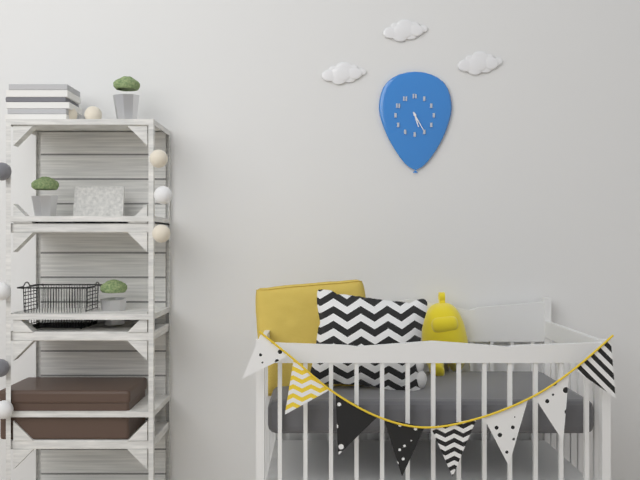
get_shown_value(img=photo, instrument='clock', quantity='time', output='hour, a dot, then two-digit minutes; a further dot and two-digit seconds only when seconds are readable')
5.25
